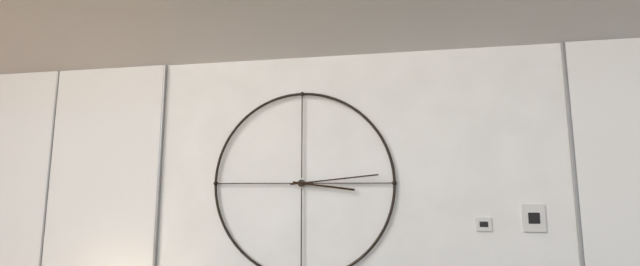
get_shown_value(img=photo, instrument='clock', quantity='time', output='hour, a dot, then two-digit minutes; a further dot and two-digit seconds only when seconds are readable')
3.14
